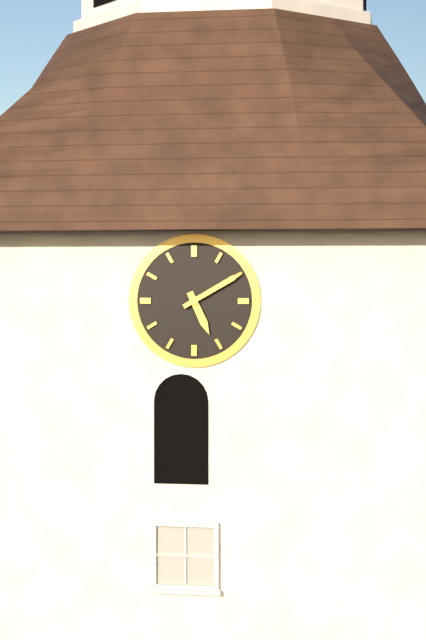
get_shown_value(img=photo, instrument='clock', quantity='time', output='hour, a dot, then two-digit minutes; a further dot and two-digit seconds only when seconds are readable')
5.10
